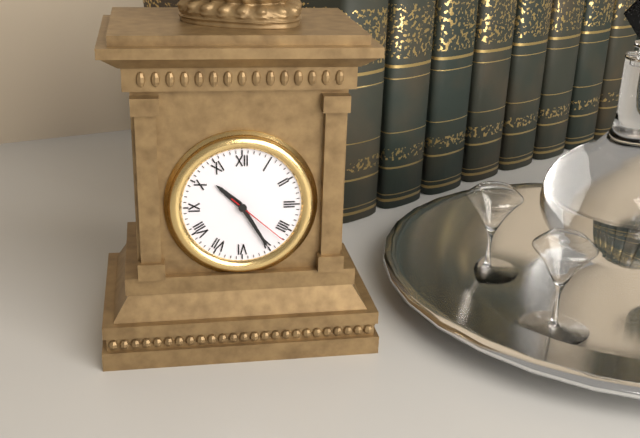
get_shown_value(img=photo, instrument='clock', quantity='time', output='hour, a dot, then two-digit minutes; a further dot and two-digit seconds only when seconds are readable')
10.25.22
